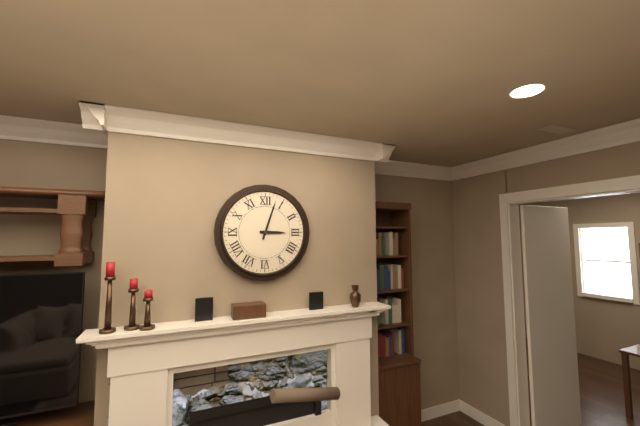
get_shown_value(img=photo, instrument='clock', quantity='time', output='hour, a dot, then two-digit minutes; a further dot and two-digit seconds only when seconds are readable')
3.03
